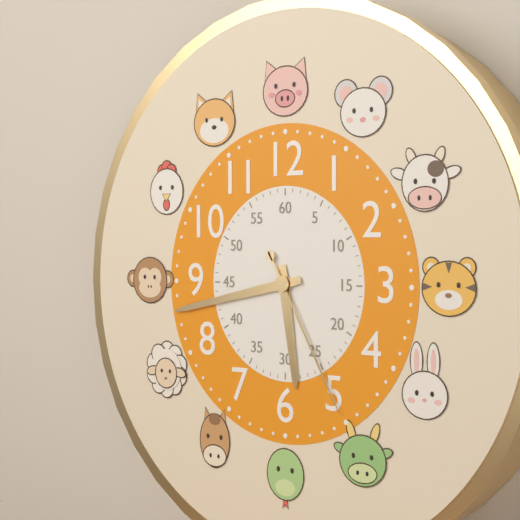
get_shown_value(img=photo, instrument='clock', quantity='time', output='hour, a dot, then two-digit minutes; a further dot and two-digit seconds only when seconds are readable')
5.43.25
